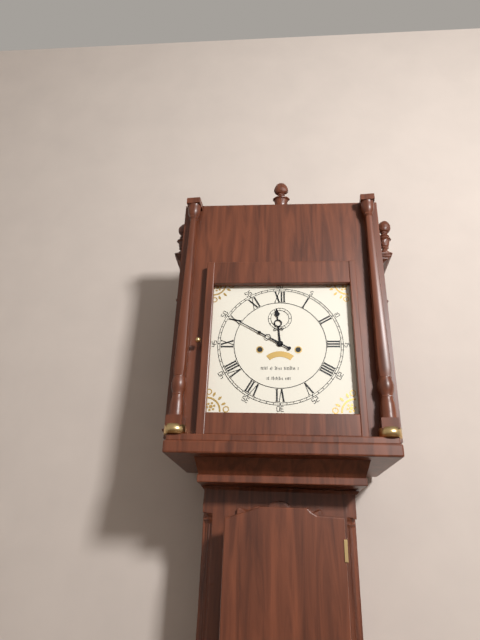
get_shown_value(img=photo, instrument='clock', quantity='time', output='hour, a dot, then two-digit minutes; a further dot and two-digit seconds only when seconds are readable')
11.50
